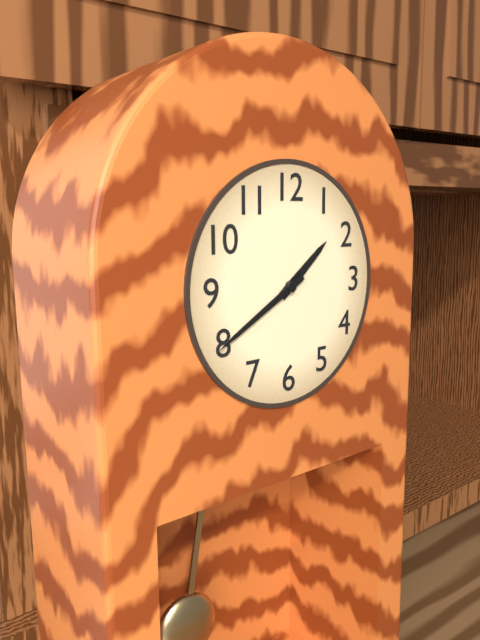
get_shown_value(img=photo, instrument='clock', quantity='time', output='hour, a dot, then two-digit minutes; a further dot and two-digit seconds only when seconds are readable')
1.40
